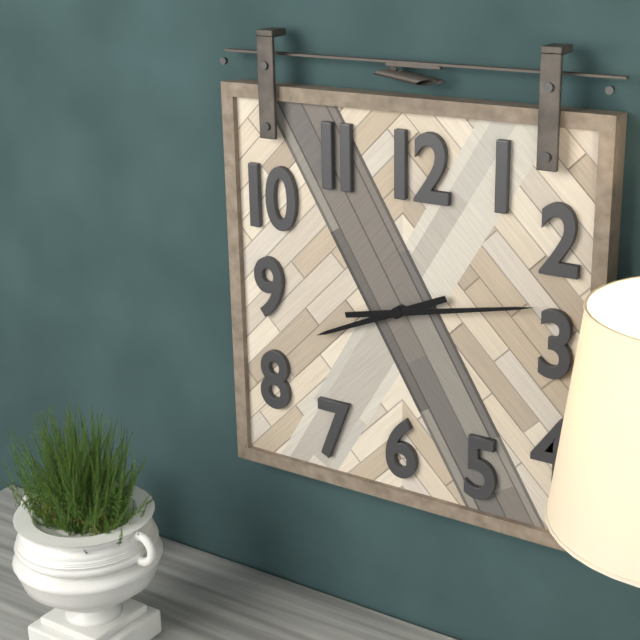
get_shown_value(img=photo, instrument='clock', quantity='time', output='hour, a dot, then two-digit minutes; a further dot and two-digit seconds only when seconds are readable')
8.13
